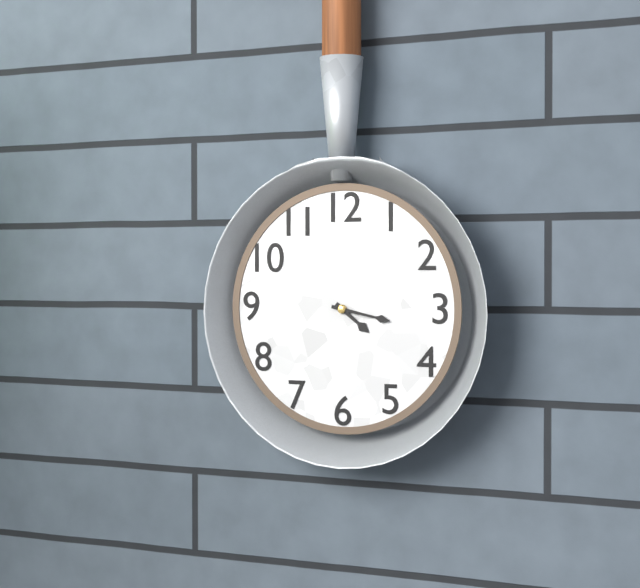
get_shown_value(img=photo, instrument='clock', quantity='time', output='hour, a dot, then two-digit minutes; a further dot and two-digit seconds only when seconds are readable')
4.17
